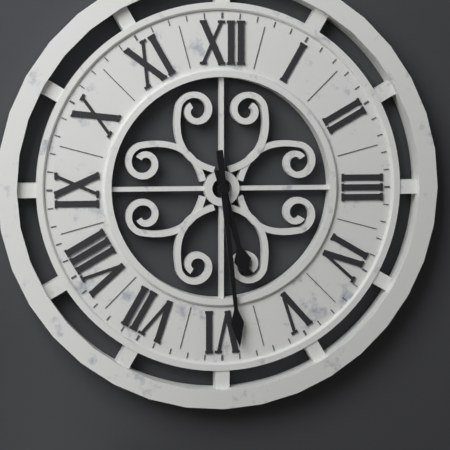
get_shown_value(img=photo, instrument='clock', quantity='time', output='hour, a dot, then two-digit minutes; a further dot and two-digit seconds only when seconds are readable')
5.29
